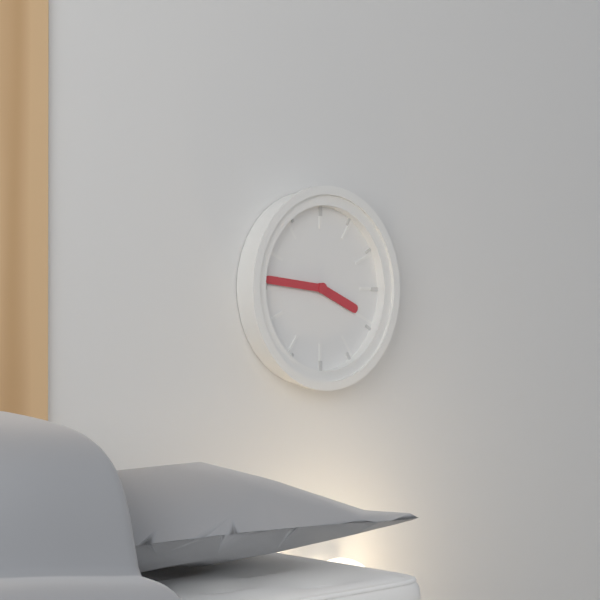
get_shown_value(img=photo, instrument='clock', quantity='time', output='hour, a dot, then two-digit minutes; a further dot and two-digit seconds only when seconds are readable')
3.46
